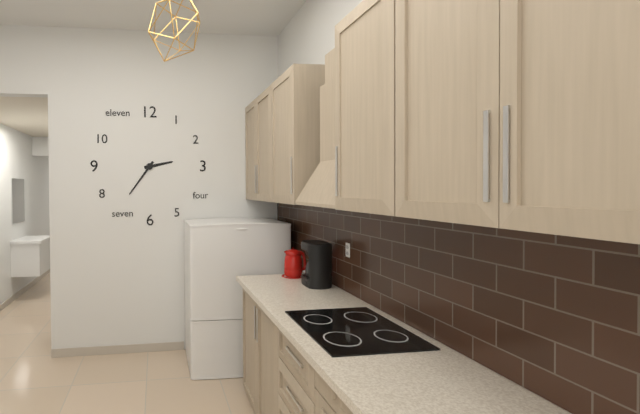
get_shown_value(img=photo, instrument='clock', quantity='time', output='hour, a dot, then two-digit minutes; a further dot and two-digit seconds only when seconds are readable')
2.36
